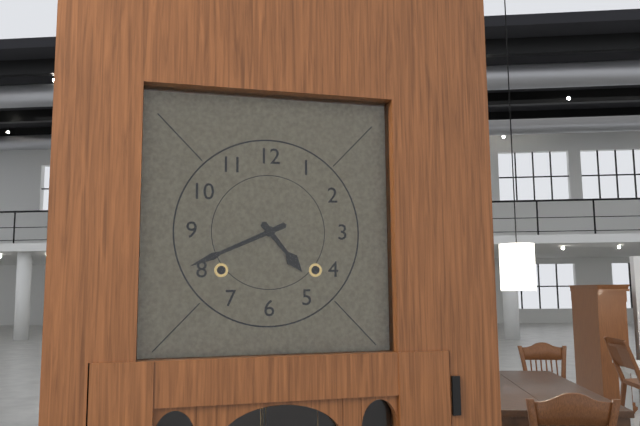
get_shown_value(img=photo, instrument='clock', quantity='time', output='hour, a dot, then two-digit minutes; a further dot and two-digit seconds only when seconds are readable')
4.41
